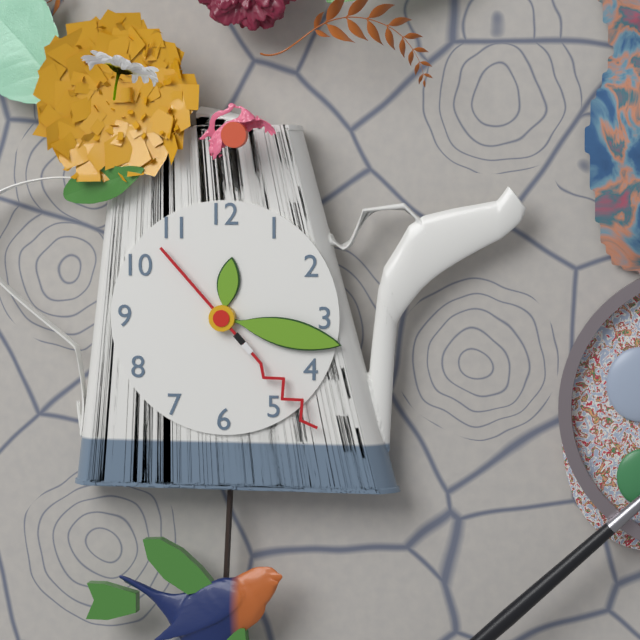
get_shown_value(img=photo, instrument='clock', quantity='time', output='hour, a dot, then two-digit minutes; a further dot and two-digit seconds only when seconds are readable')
12.17.23
